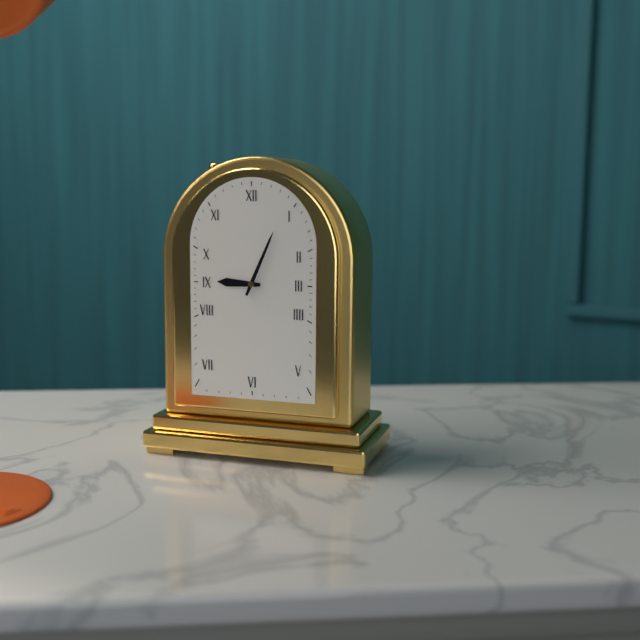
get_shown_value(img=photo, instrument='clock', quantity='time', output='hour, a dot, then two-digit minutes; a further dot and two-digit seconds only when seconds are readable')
9.04
